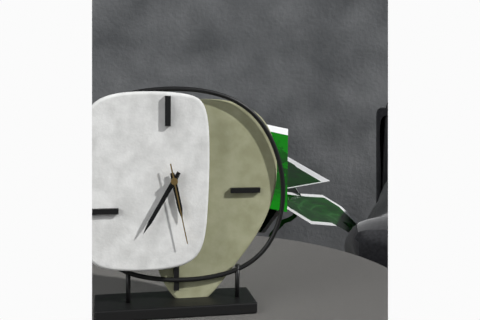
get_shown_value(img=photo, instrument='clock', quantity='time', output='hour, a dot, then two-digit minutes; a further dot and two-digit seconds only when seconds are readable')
5.35.28
